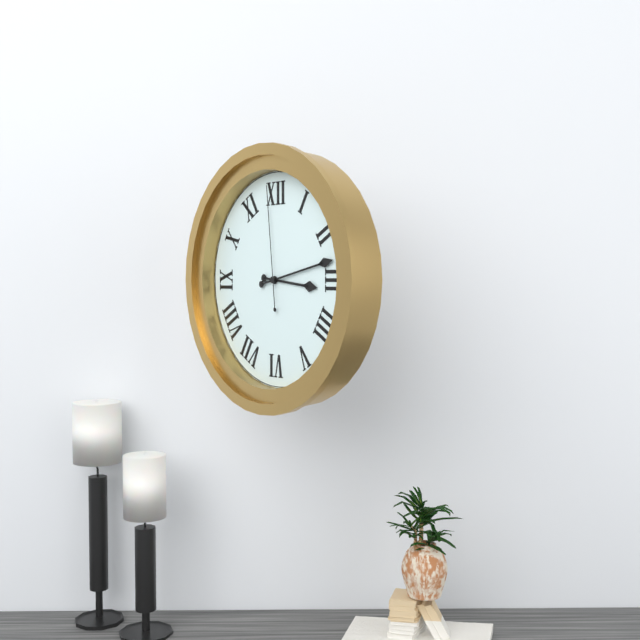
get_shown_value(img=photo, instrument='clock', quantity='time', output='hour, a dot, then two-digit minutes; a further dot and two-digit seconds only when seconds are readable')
3.13.59
